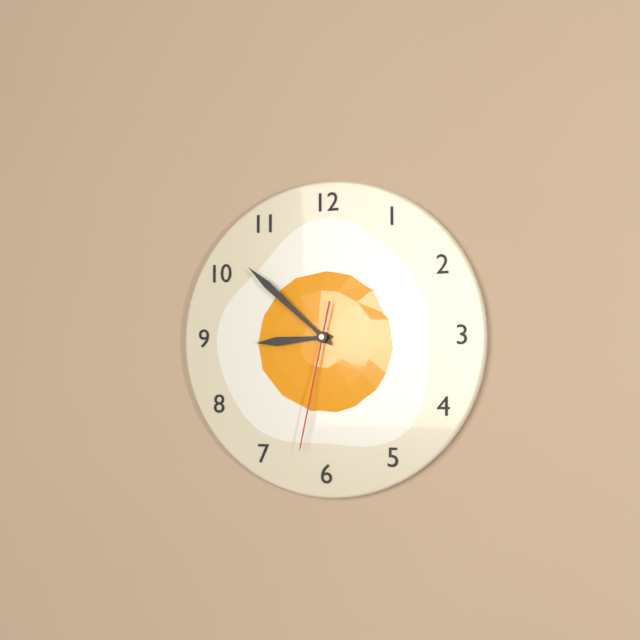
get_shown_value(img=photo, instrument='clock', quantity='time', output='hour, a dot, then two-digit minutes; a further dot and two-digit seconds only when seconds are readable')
8.52.32
